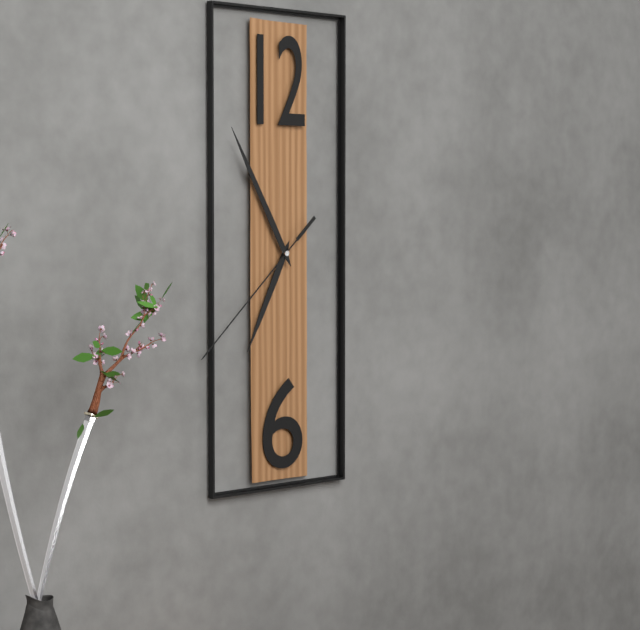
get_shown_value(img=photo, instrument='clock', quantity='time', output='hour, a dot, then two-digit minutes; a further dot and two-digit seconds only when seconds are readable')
6.55.38
